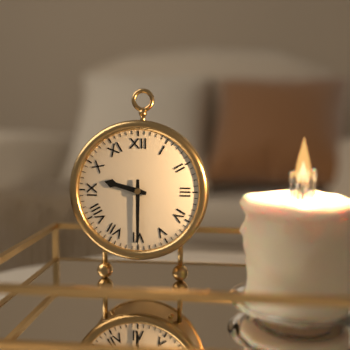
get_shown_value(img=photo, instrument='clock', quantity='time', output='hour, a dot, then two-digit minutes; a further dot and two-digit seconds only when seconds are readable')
9.30
